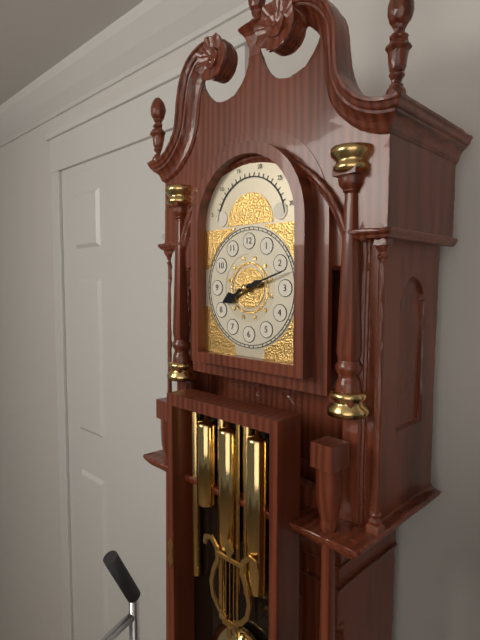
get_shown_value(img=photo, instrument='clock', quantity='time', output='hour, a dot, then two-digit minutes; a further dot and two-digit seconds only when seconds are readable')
8.12
